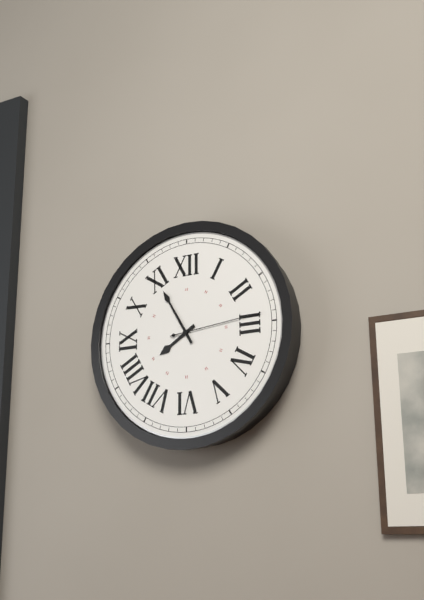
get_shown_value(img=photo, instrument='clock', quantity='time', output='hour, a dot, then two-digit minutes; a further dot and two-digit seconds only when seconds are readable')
7.55.14
